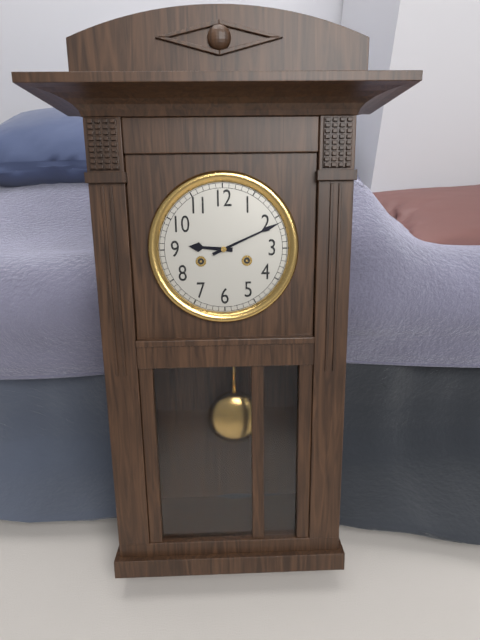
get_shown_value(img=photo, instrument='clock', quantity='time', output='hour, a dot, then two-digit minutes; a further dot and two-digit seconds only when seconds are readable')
9.11
